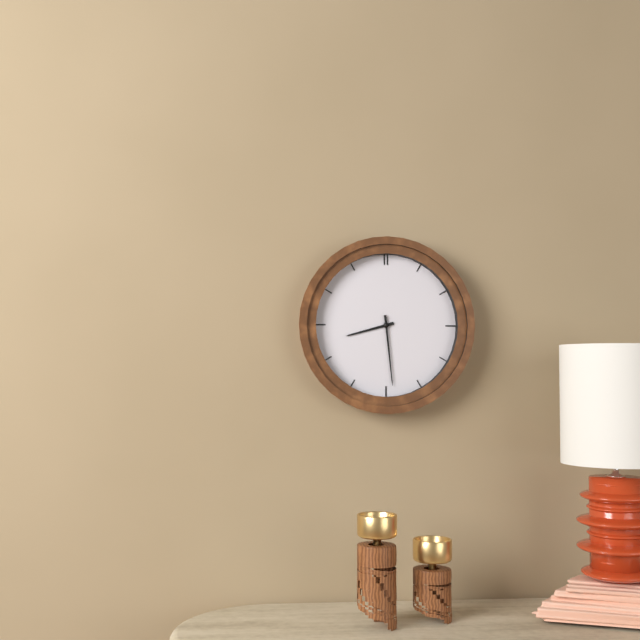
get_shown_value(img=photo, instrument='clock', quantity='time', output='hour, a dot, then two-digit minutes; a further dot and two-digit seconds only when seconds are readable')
8.29
